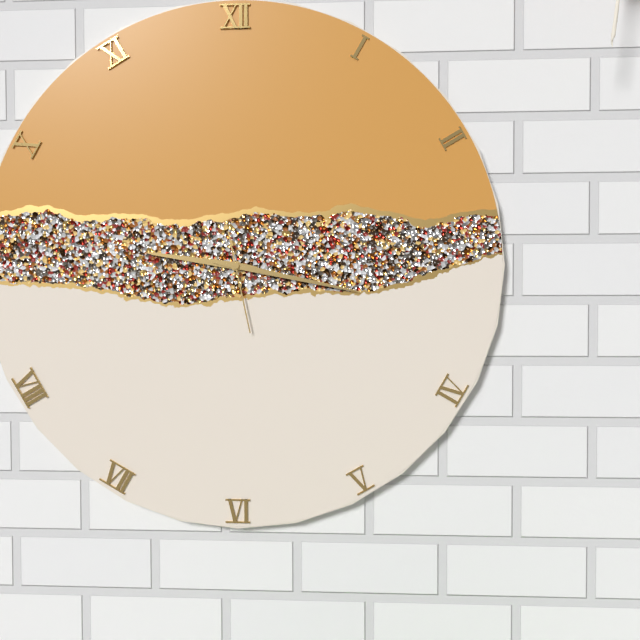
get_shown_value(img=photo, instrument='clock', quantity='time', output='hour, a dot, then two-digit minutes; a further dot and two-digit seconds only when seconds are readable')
9.17.28
